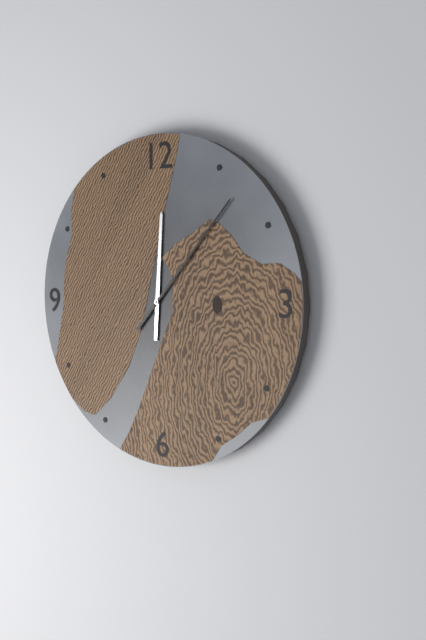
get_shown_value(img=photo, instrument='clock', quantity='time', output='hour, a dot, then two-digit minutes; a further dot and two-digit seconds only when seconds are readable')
12.07
